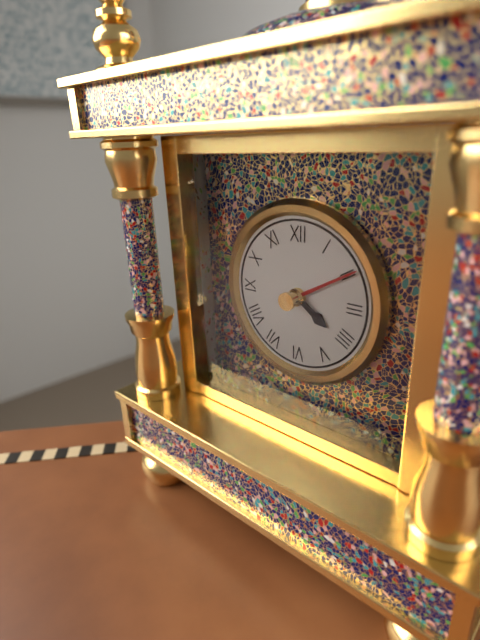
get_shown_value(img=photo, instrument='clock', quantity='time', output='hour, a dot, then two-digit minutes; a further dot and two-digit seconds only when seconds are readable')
4.10
